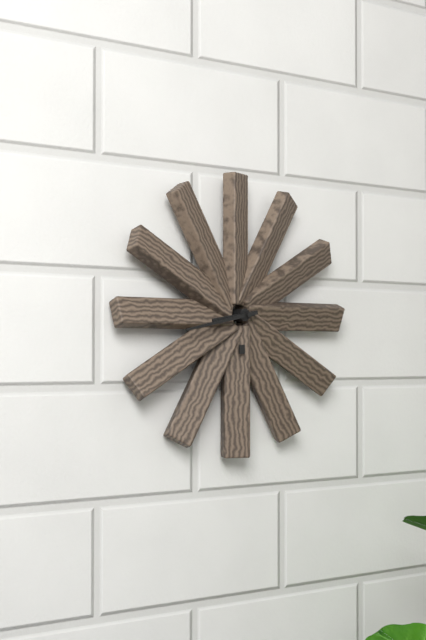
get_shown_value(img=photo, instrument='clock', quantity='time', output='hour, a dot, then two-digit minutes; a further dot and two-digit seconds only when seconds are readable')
8.43
